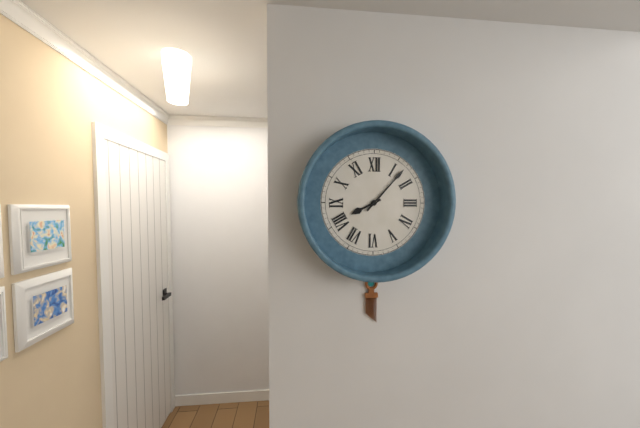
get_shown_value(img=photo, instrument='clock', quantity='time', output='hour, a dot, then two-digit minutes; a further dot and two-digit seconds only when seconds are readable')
8.07
